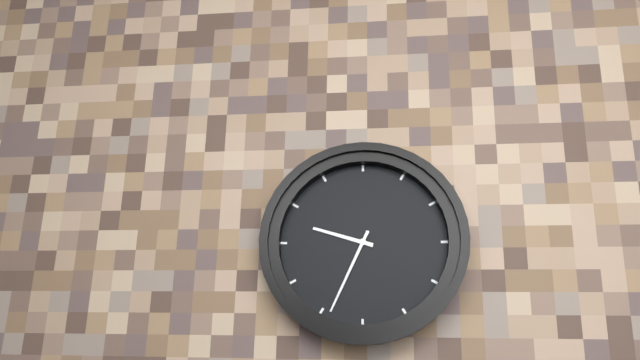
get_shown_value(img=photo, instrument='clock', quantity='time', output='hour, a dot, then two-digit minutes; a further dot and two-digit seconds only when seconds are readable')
9.34
